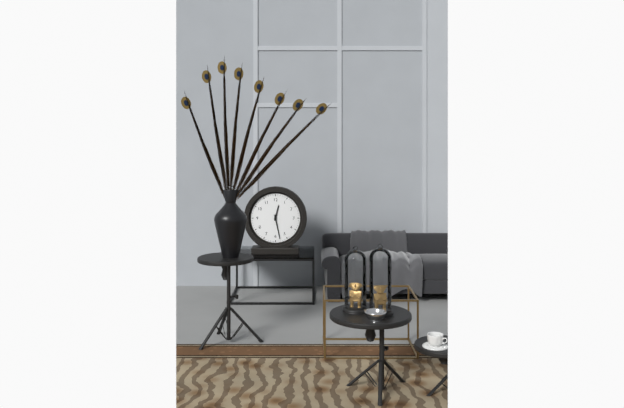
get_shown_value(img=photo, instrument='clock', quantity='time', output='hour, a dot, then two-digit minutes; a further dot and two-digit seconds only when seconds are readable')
12.28
